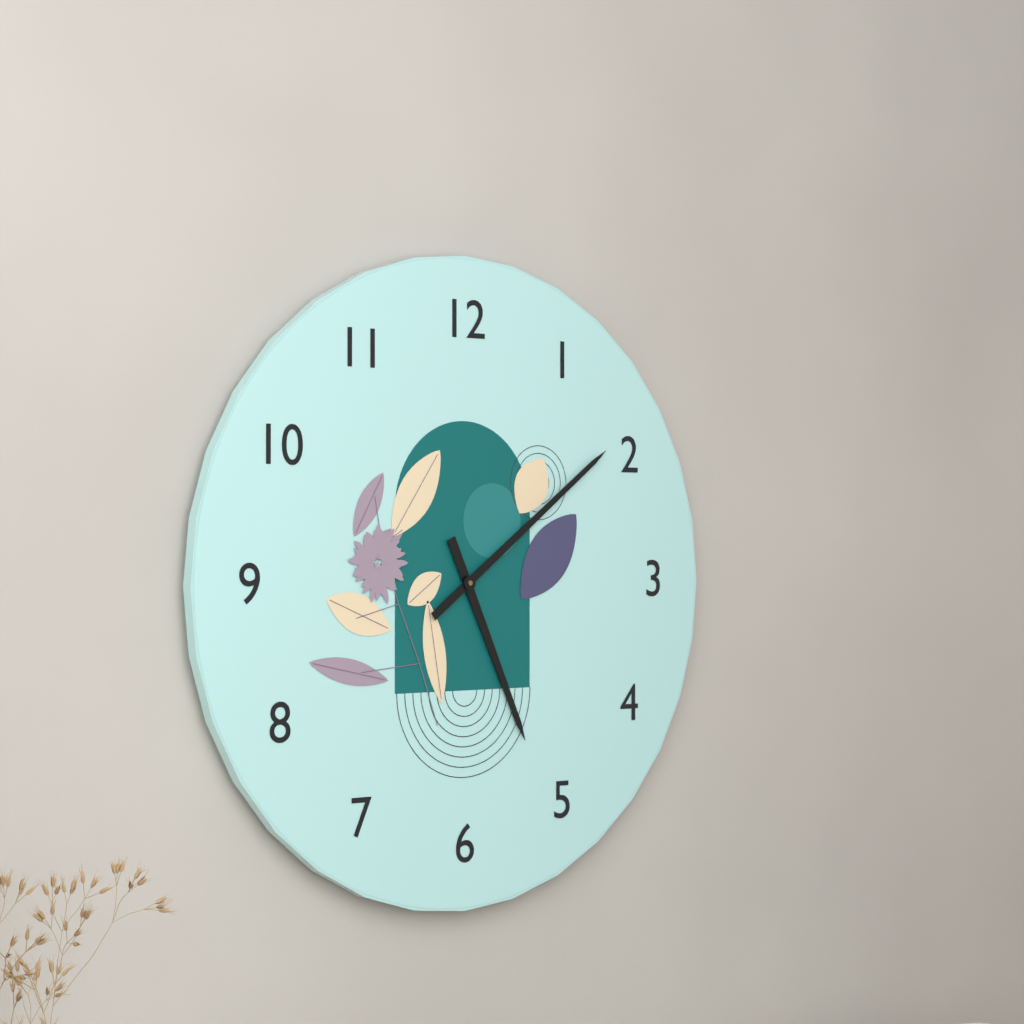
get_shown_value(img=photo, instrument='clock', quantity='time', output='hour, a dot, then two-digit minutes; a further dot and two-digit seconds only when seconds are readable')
5.09
